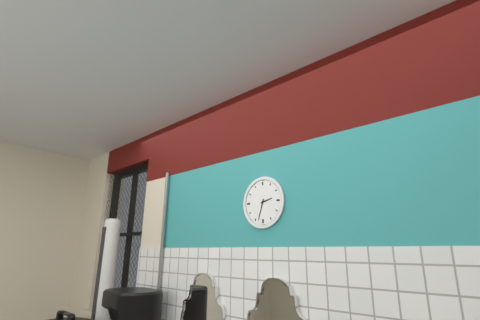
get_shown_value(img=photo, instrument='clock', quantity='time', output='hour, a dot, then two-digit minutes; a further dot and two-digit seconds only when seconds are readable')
2.33
